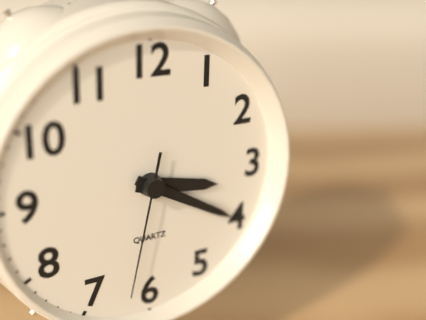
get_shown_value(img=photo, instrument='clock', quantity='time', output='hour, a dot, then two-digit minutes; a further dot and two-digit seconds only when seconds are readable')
3.20.32
